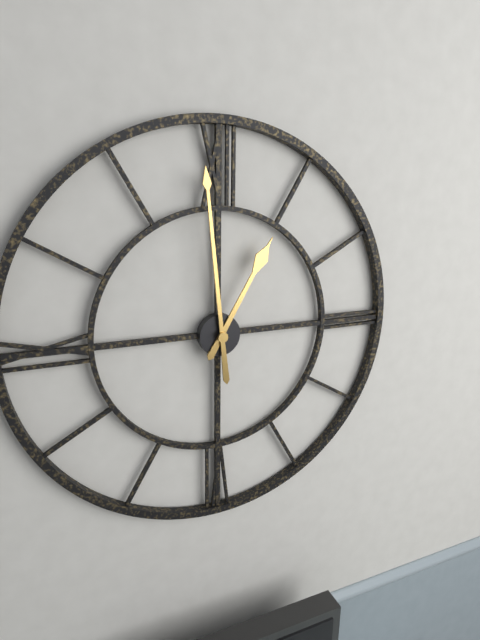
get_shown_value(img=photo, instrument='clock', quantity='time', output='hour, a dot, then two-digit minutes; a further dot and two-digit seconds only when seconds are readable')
12.59
